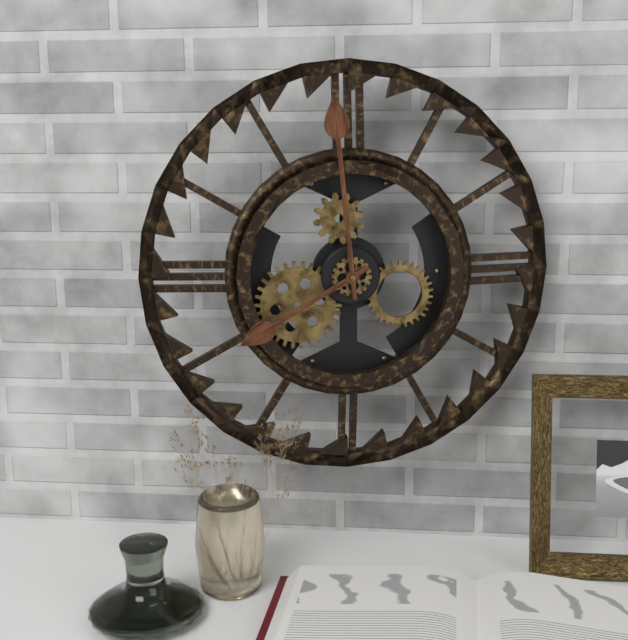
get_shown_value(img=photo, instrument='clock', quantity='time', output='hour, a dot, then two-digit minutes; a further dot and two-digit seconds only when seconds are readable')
7.59
